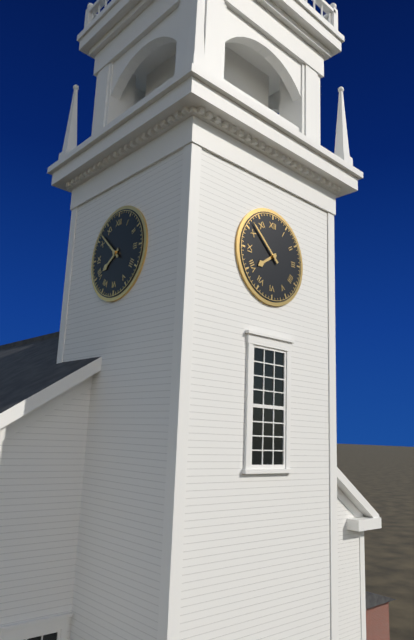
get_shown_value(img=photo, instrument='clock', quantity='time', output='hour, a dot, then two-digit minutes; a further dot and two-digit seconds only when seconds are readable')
7.52
